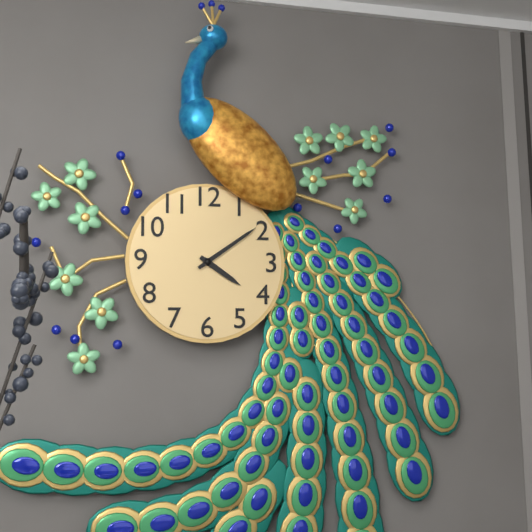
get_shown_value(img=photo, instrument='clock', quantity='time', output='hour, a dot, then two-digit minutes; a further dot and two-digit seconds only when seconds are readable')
4.09
